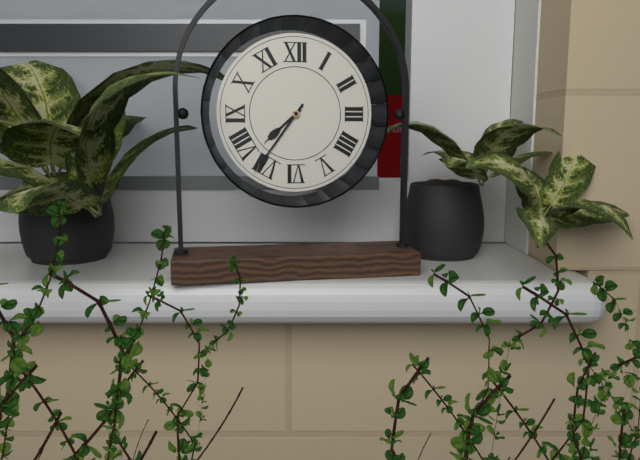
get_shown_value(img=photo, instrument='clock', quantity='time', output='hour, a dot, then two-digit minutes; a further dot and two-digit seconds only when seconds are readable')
7.36
